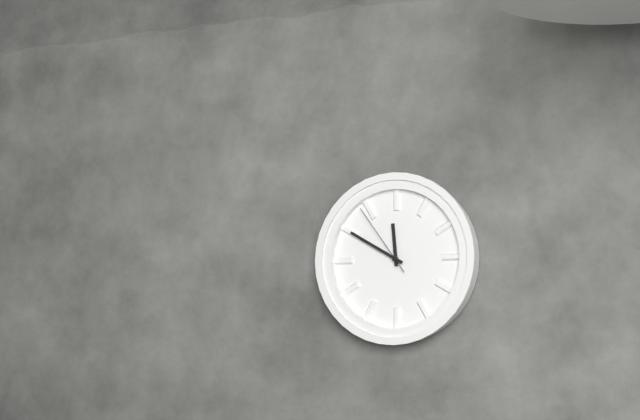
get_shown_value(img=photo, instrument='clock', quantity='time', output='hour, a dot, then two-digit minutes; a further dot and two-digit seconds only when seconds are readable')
11.50.54
